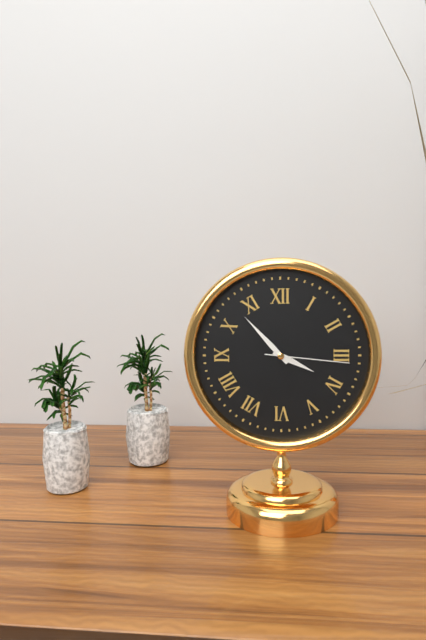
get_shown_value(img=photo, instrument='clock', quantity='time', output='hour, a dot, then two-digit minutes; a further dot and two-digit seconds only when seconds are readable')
3.53.16
